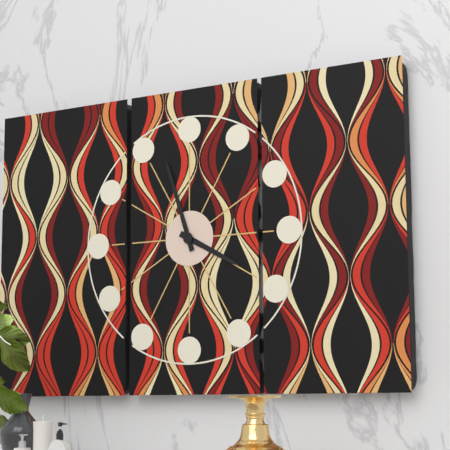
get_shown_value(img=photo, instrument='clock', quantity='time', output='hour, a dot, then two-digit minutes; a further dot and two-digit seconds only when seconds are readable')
3.57
